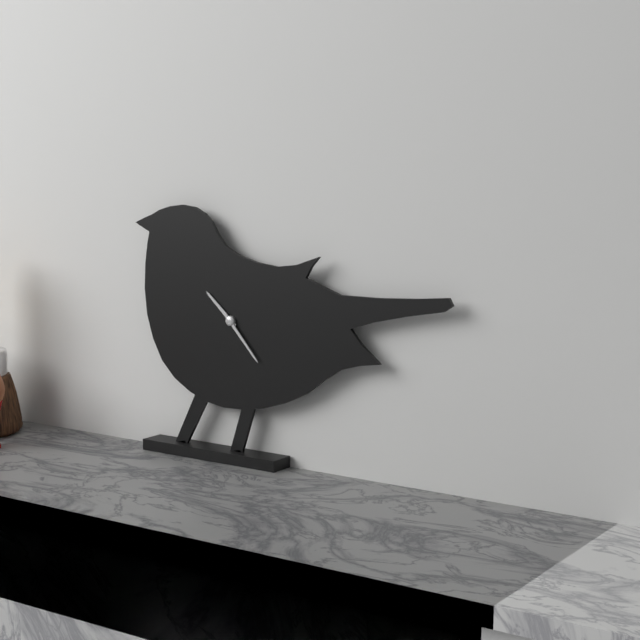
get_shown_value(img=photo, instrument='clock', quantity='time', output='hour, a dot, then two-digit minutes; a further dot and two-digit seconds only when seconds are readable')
10.23
